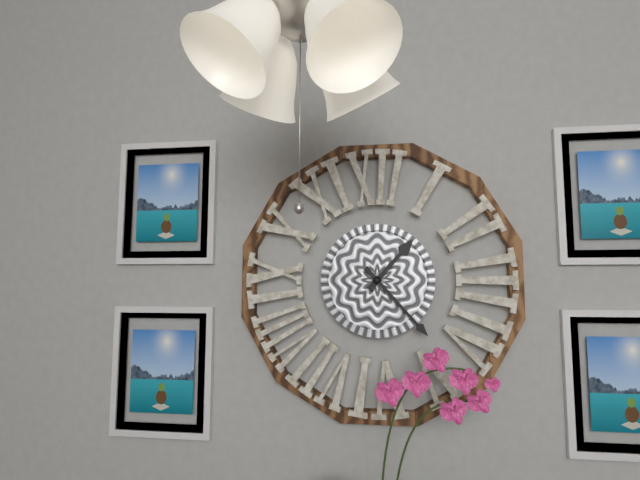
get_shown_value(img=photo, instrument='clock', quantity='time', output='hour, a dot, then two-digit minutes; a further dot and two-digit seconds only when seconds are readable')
1.23
